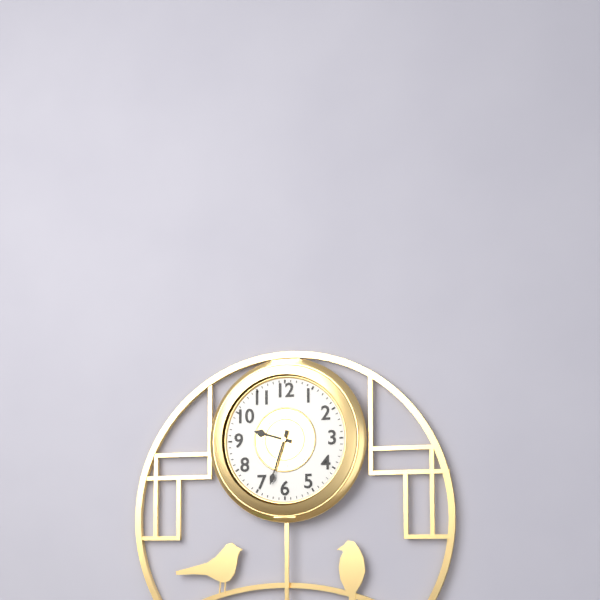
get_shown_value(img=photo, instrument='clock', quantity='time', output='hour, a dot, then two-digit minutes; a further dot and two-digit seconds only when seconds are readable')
9.33
